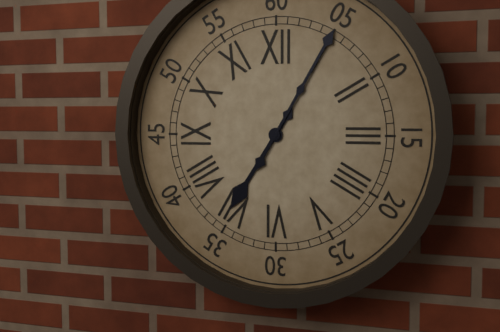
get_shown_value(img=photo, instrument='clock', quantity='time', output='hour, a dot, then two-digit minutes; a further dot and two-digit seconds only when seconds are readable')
7.05
